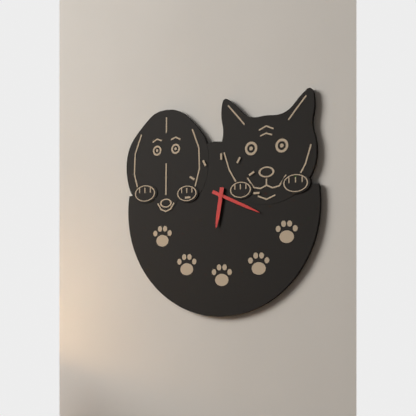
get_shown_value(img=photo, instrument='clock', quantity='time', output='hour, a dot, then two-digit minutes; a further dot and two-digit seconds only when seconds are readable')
6.19
